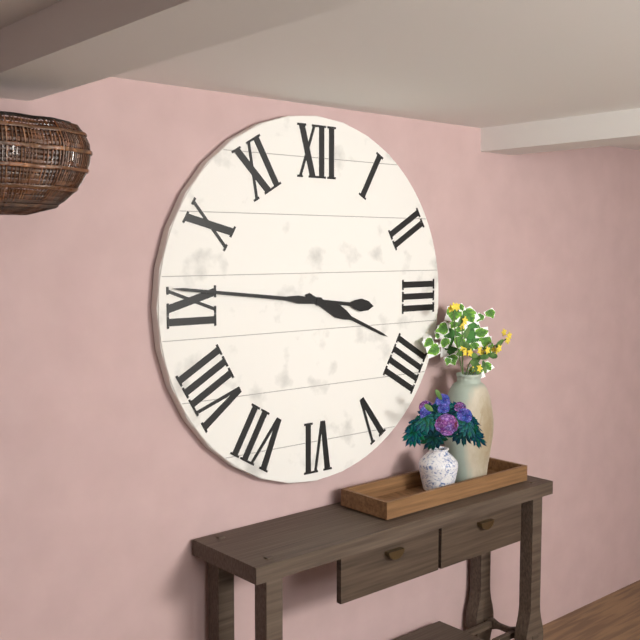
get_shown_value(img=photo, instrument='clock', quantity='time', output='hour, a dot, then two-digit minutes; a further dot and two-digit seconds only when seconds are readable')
3.46
